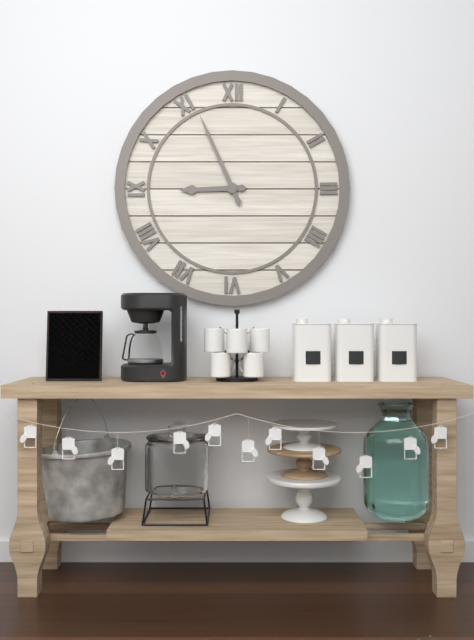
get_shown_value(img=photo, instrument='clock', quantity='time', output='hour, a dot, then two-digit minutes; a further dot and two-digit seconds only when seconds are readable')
8.56
